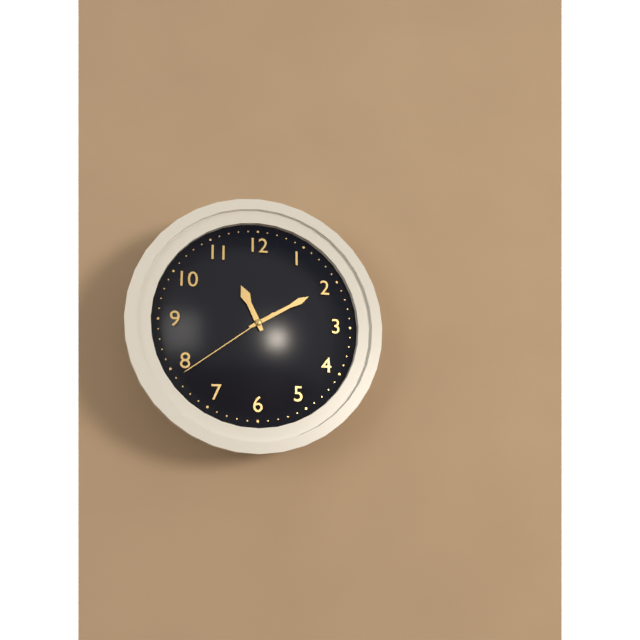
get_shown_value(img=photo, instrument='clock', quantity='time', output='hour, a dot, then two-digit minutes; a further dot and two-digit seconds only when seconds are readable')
11.10.39
